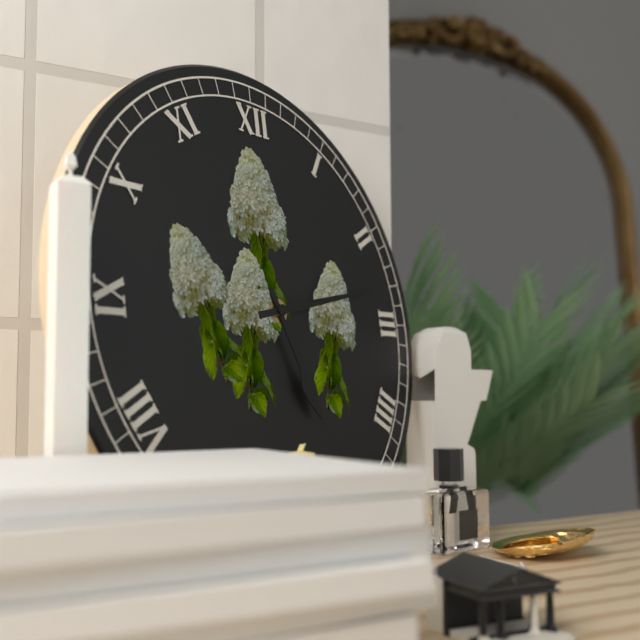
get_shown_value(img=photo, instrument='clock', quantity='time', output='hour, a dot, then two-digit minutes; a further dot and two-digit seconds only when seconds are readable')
5.13
